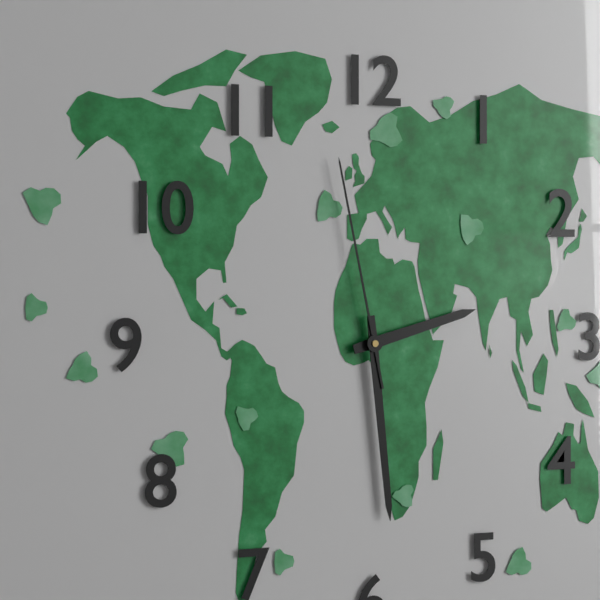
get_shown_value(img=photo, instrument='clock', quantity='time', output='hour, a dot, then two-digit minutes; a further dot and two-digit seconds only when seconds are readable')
2.29.58
